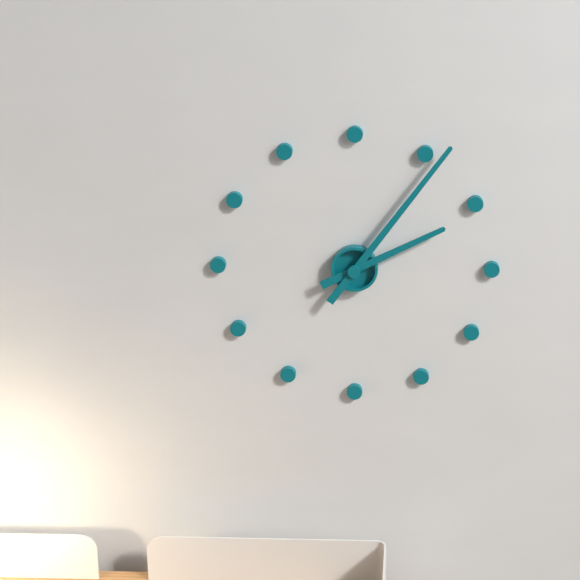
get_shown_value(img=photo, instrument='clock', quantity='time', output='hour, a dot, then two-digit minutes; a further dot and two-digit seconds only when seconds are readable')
2.06
